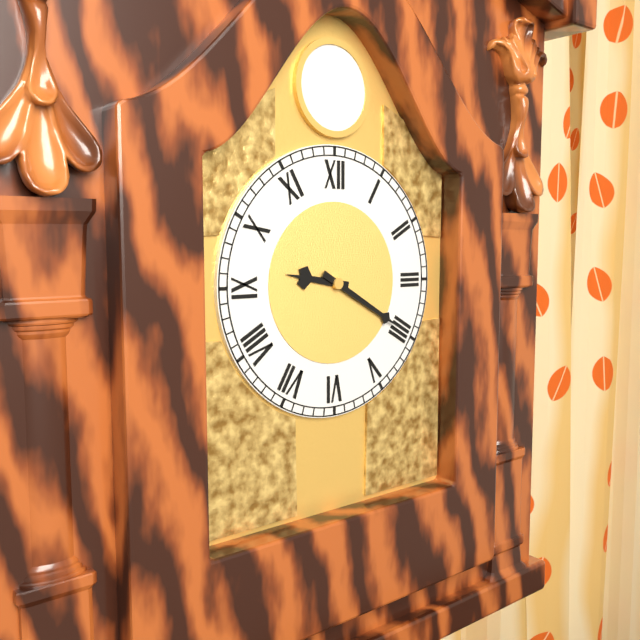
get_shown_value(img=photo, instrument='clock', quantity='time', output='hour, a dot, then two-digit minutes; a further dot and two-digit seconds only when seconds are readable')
9.20
